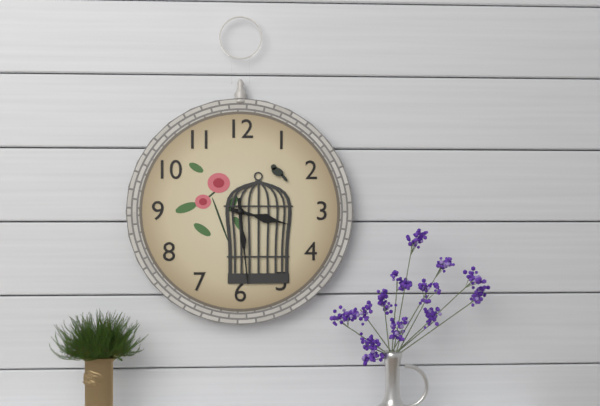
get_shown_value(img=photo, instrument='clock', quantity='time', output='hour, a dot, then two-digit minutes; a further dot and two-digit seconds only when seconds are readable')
3.29
